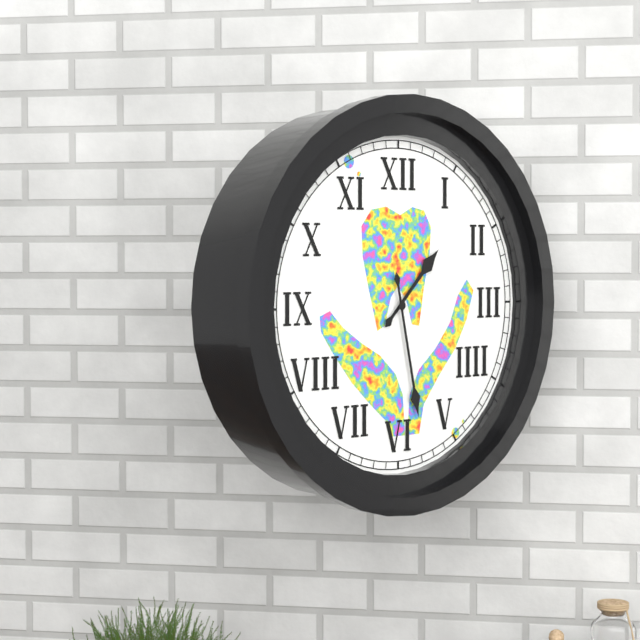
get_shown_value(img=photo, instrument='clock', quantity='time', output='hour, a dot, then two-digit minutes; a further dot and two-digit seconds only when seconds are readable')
1.28
